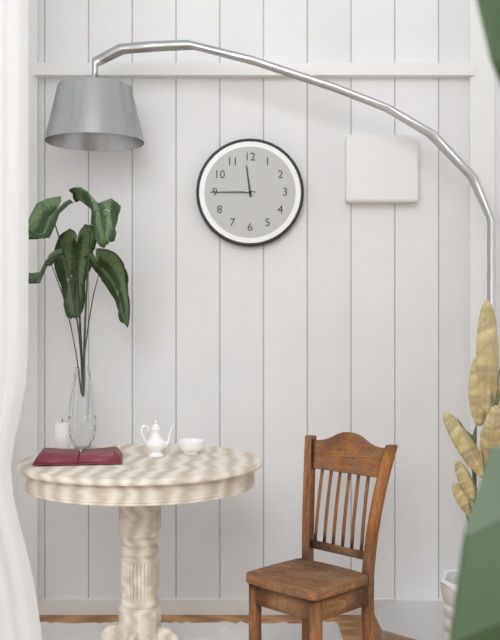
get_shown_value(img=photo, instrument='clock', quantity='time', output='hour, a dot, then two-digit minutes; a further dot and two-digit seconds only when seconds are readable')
11.45
